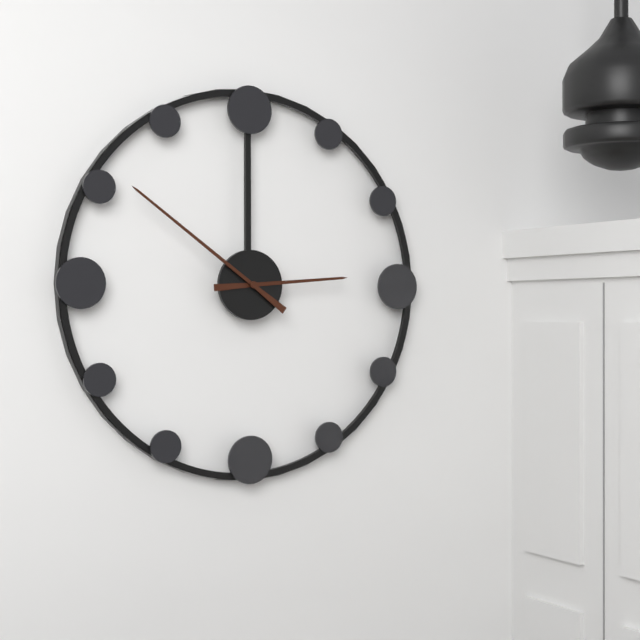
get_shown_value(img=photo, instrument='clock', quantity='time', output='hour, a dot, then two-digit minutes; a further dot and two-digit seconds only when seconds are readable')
2.51
